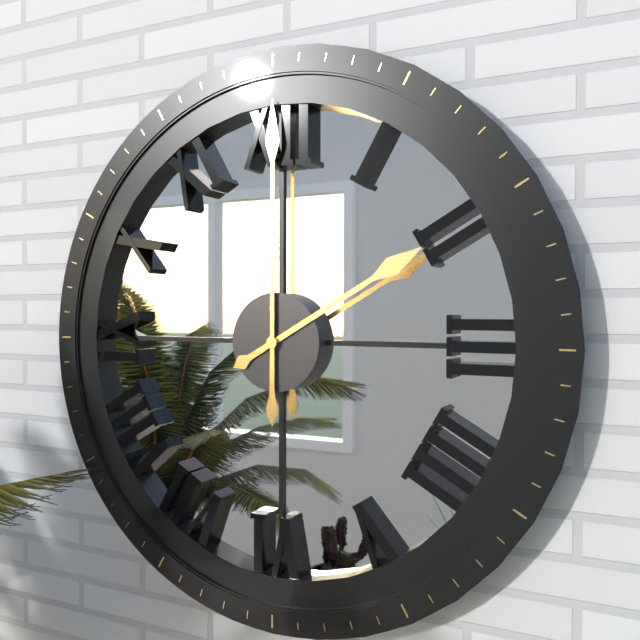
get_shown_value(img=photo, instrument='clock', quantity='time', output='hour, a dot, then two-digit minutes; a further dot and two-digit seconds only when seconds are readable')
2.00
